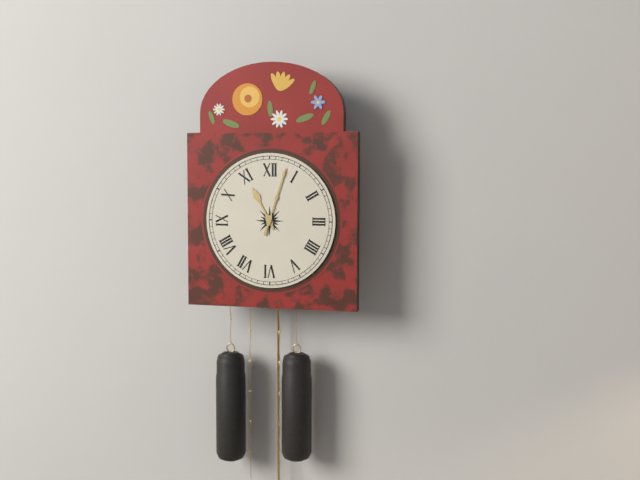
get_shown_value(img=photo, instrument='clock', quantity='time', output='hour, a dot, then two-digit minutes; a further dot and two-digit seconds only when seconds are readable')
11.03
